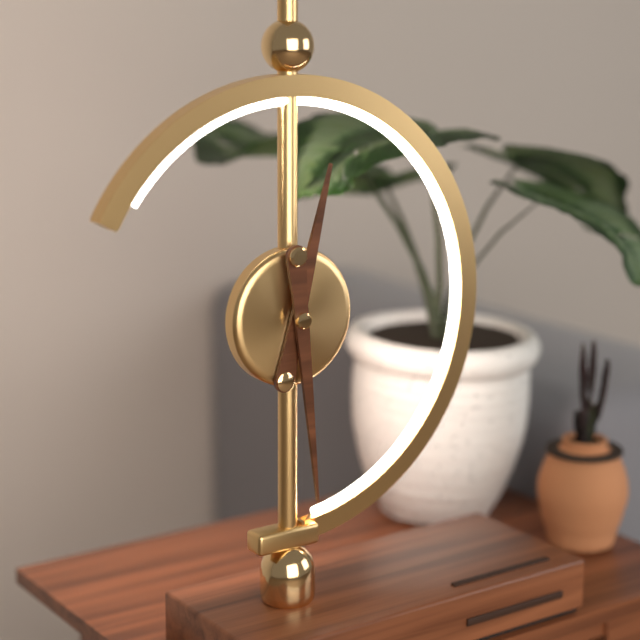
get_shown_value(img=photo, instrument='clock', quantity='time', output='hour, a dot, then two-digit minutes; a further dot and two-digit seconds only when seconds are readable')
12.29
